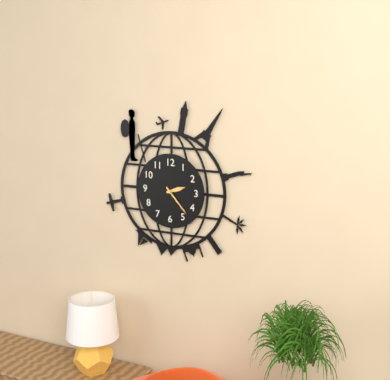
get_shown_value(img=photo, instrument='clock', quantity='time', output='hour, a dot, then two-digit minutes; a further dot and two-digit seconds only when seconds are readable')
2.23
